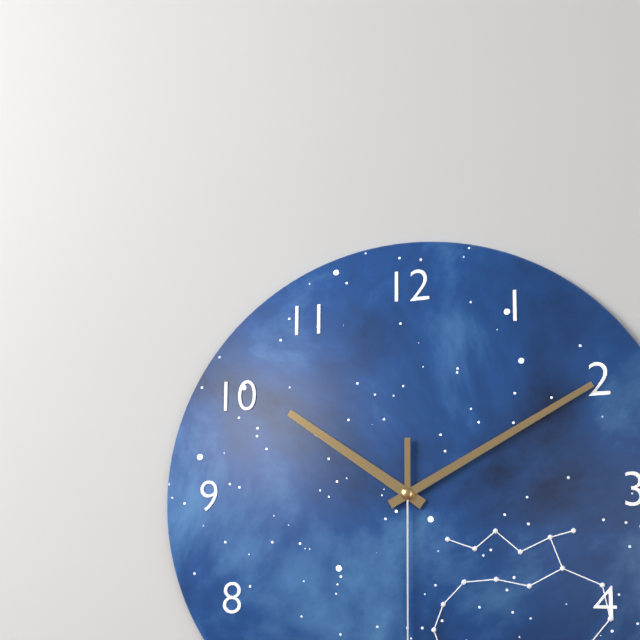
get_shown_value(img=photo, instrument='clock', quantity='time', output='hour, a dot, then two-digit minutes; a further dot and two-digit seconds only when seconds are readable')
10.10
